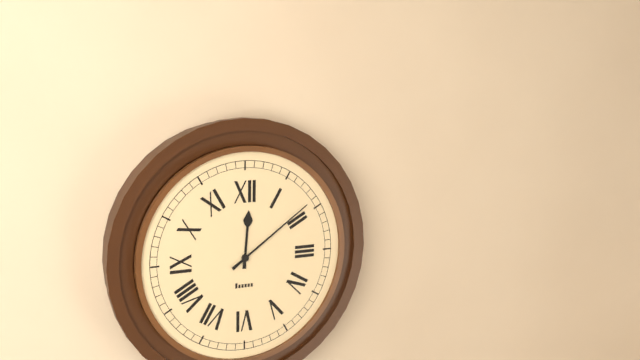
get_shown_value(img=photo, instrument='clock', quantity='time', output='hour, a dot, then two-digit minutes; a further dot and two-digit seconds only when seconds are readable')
12.09
